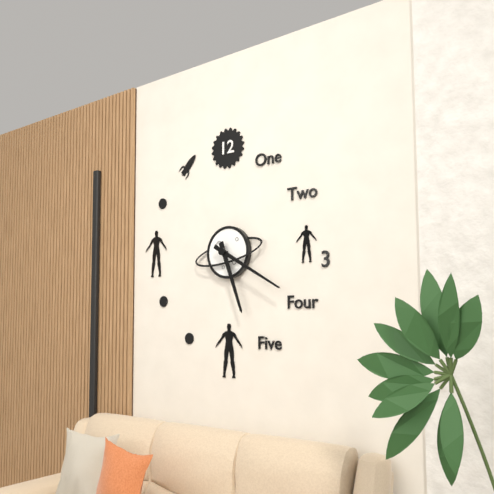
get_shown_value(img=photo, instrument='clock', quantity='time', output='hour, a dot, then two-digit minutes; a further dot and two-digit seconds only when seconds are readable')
5.20
